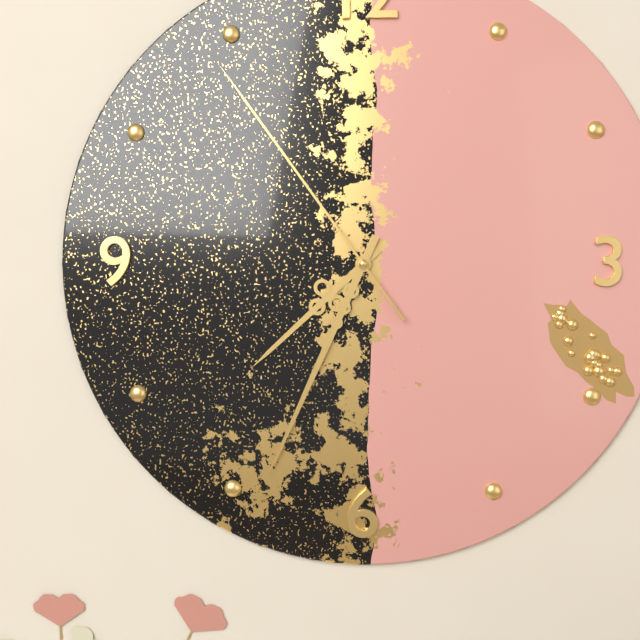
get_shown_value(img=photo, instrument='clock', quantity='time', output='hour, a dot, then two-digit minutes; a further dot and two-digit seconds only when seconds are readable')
7.34.54
